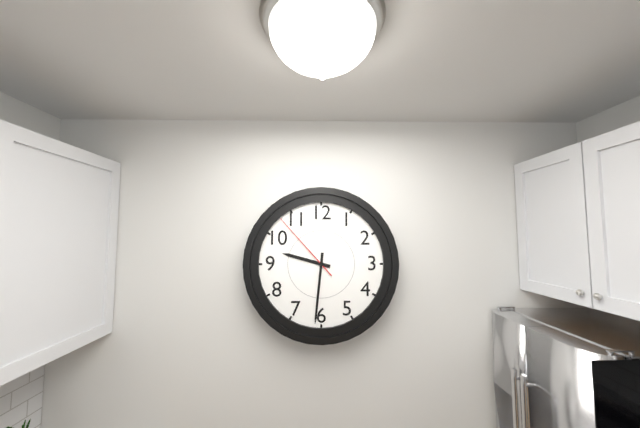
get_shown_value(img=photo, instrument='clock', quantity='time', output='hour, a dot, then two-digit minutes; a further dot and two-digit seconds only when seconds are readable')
9.31.53
